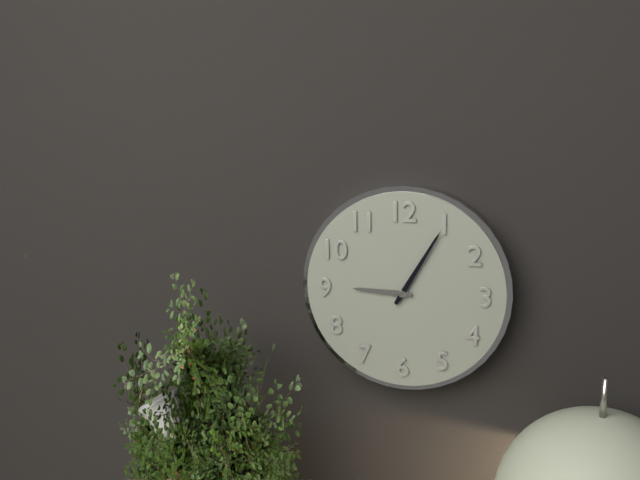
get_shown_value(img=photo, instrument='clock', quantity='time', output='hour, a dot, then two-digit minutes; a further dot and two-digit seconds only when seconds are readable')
9.05
